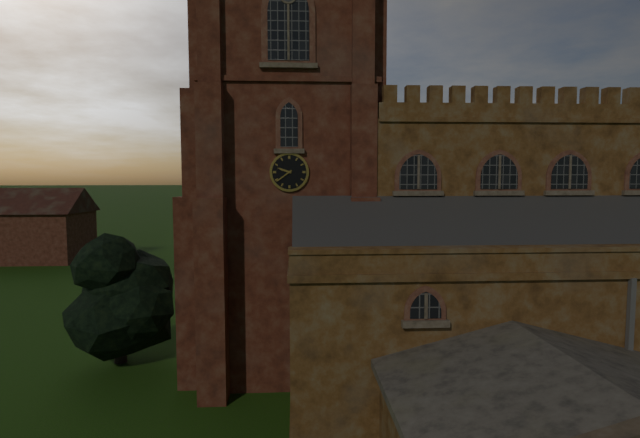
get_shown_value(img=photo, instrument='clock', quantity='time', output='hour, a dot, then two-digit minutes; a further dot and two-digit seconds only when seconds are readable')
9.39
